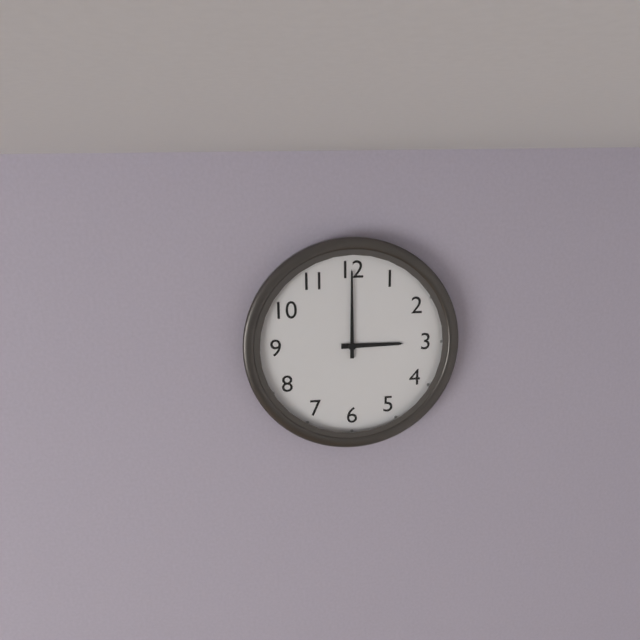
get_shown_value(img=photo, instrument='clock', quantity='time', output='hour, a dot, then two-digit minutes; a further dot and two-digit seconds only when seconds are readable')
3.00
